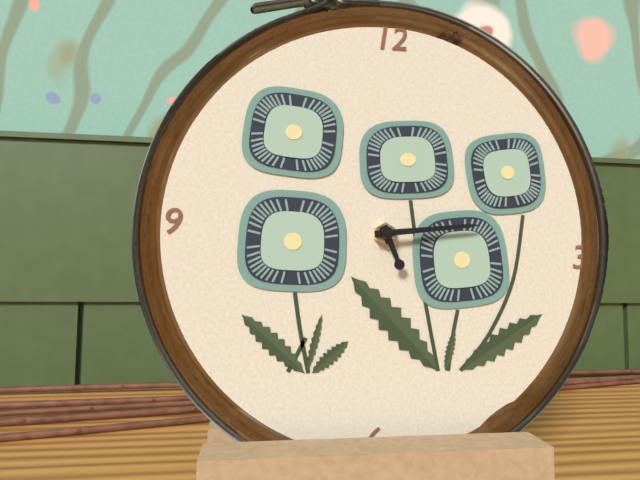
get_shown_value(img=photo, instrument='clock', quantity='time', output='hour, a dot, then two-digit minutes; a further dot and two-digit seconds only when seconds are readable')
5.14
